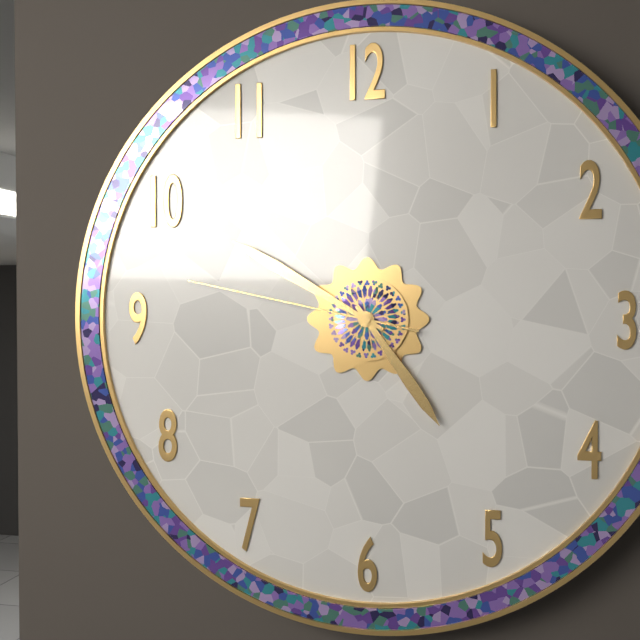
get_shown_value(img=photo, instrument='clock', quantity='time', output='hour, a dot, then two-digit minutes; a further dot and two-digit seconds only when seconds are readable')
4.50.47
